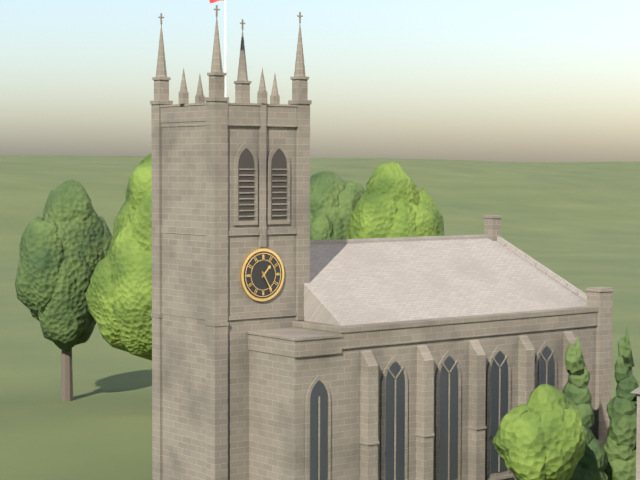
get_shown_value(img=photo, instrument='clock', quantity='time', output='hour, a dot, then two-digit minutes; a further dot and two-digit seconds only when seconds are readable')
1.25
